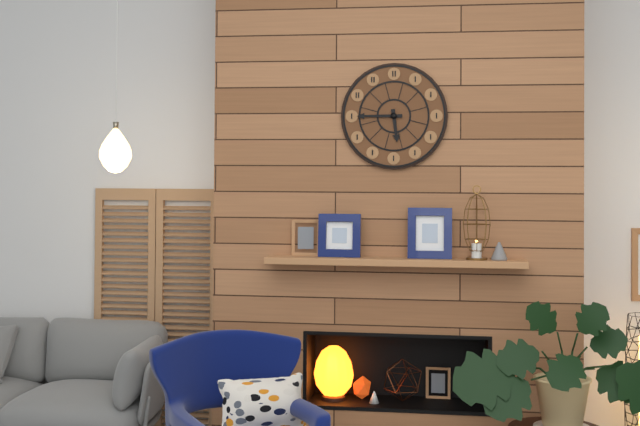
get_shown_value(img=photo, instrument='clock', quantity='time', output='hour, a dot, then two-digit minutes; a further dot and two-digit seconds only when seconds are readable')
5.45
